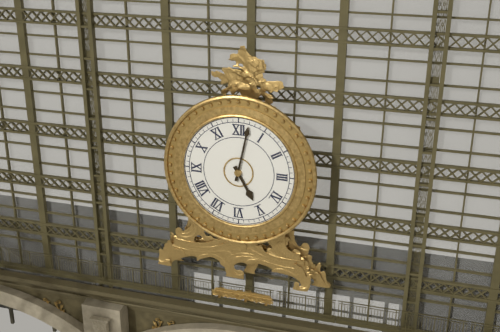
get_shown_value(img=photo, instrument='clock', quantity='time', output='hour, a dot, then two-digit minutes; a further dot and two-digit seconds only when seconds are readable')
5.02
